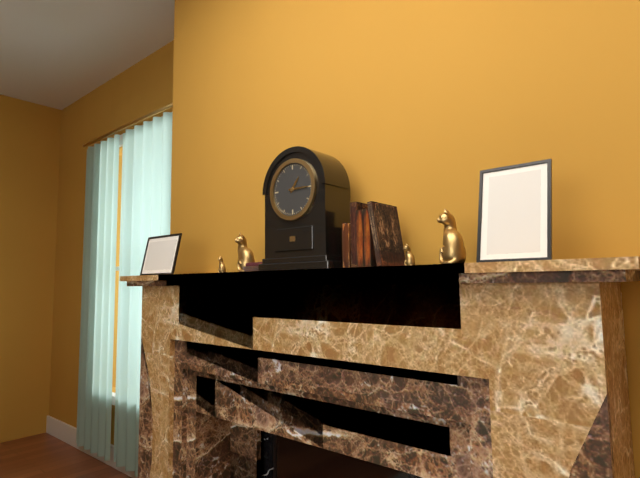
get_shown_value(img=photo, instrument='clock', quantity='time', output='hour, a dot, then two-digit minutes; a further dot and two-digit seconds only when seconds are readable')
1.15
